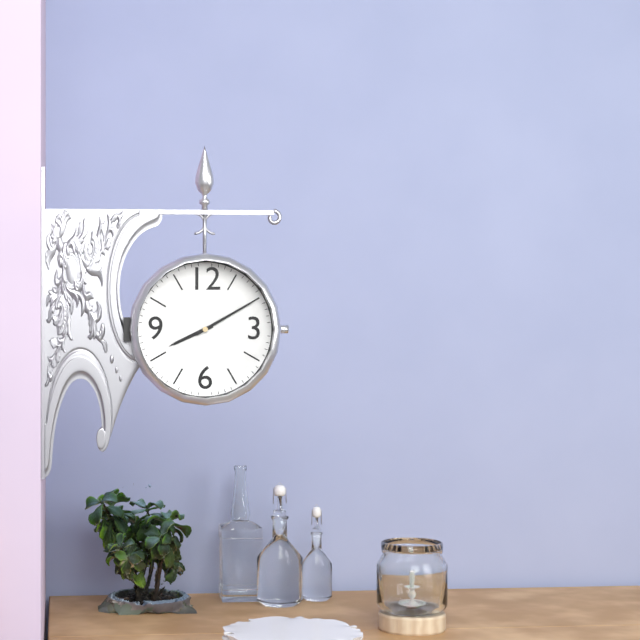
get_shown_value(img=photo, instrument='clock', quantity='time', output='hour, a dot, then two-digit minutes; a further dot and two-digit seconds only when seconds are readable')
8.10
